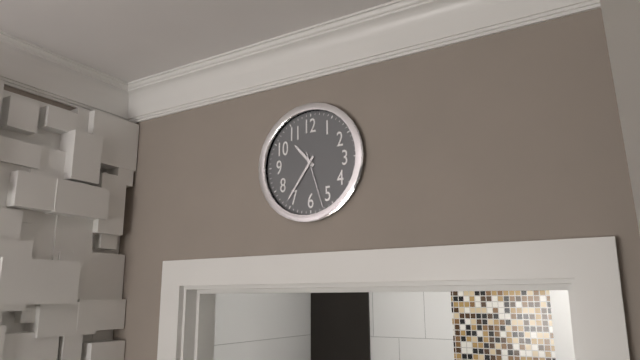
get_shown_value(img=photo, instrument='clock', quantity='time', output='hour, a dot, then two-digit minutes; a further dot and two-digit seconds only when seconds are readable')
10.36.27
